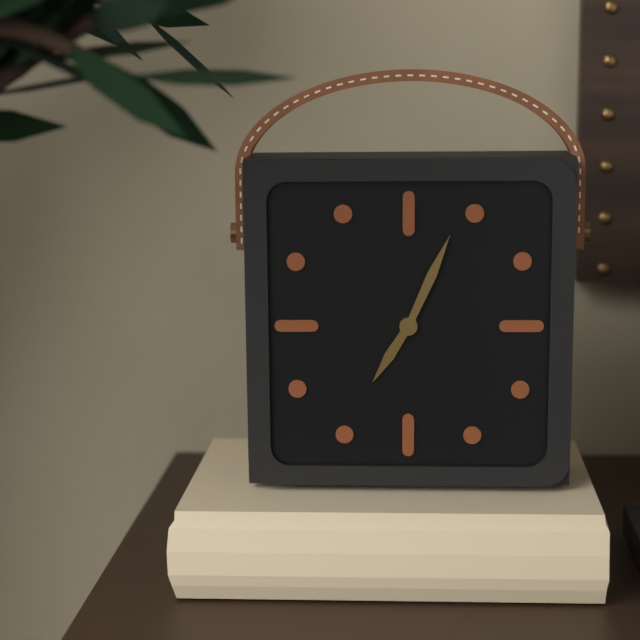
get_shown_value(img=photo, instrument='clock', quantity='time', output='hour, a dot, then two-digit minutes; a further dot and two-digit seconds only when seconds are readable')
7.04
